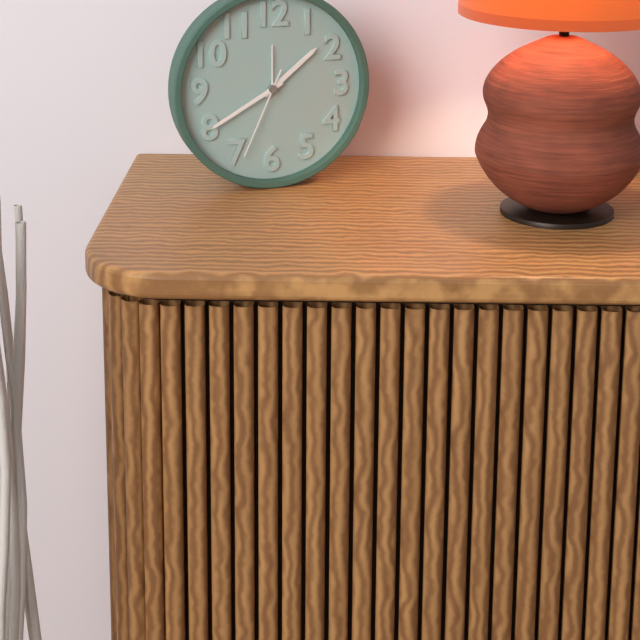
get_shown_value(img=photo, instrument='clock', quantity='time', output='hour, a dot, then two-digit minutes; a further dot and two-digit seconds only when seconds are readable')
1.40.34
